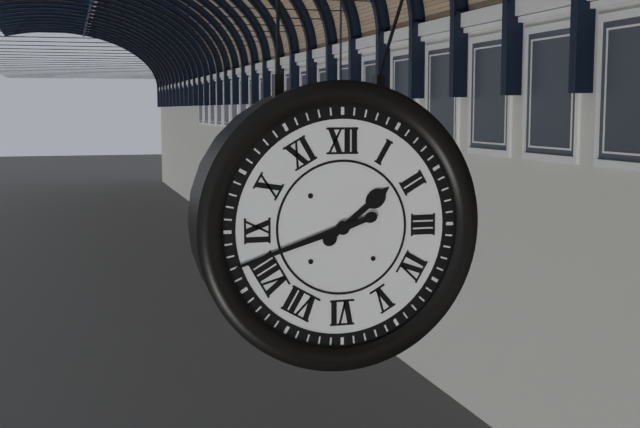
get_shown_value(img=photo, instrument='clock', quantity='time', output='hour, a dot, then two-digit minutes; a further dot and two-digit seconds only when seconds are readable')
1.42
